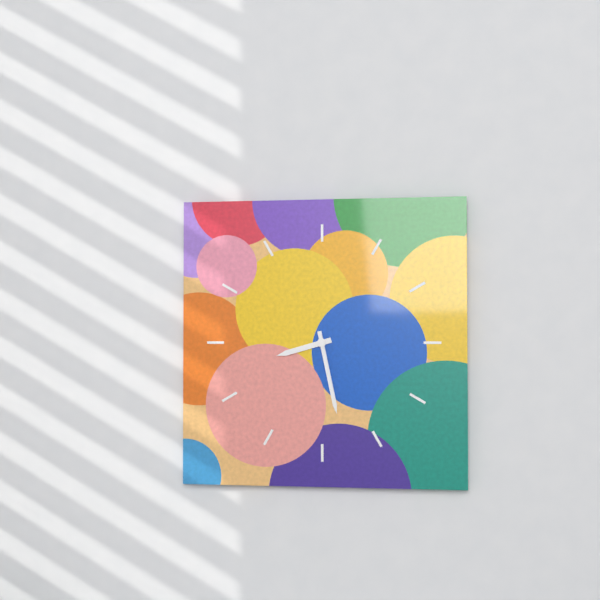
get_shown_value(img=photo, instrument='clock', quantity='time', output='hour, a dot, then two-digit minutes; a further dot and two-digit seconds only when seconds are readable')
8.28
